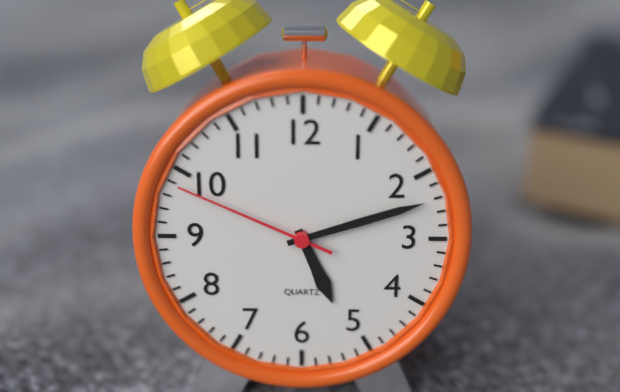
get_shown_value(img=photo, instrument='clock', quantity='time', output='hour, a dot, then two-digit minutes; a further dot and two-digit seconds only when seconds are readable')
5.12.49
